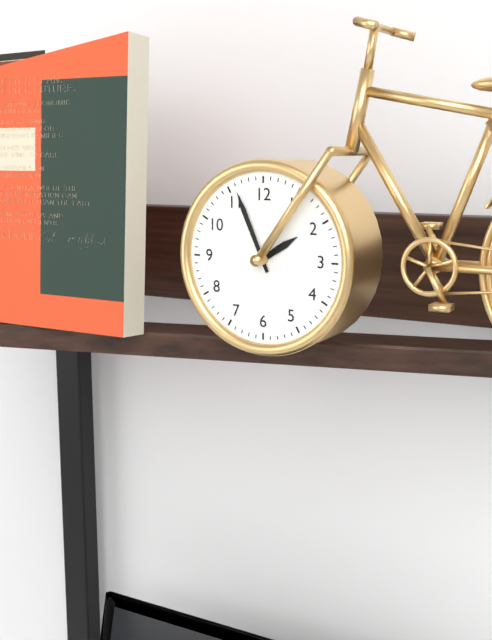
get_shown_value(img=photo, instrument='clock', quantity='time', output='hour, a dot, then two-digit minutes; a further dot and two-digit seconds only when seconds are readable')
1.56
